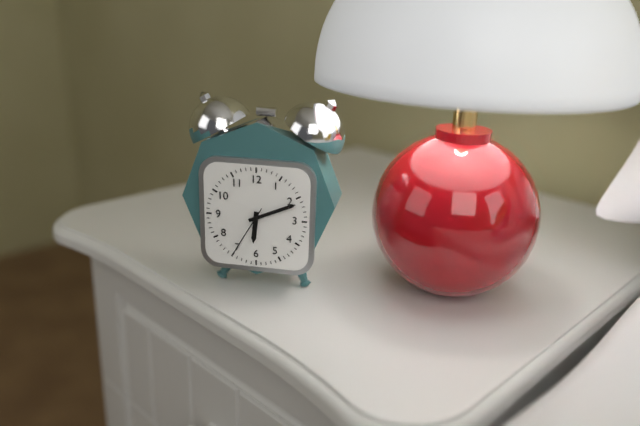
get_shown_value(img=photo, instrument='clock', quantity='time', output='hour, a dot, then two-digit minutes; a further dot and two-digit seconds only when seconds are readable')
6.11.35
